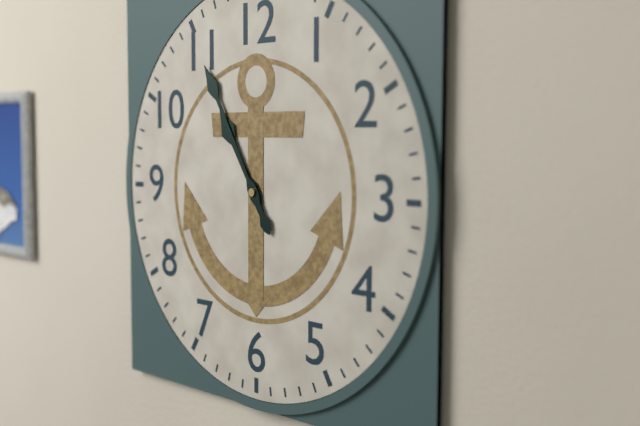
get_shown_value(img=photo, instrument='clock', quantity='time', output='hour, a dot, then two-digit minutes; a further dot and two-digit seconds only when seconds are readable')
10.55
